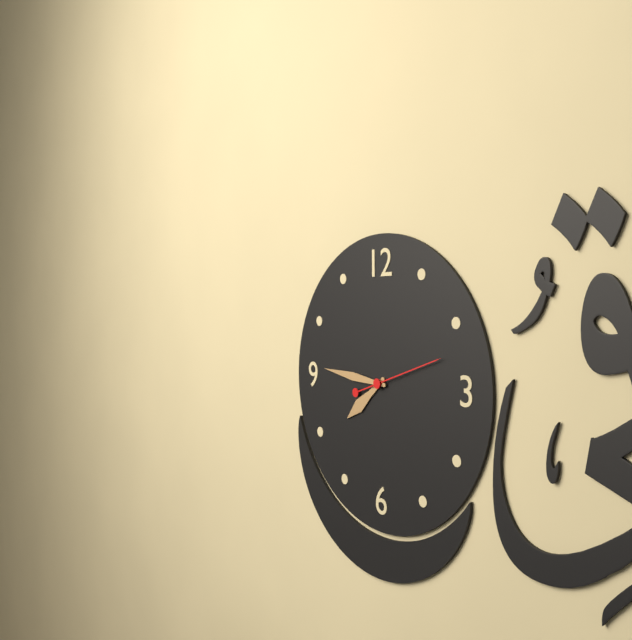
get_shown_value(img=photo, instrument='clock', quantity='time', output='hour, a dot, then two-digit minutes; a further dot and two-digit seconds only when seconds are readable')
7.46.12
